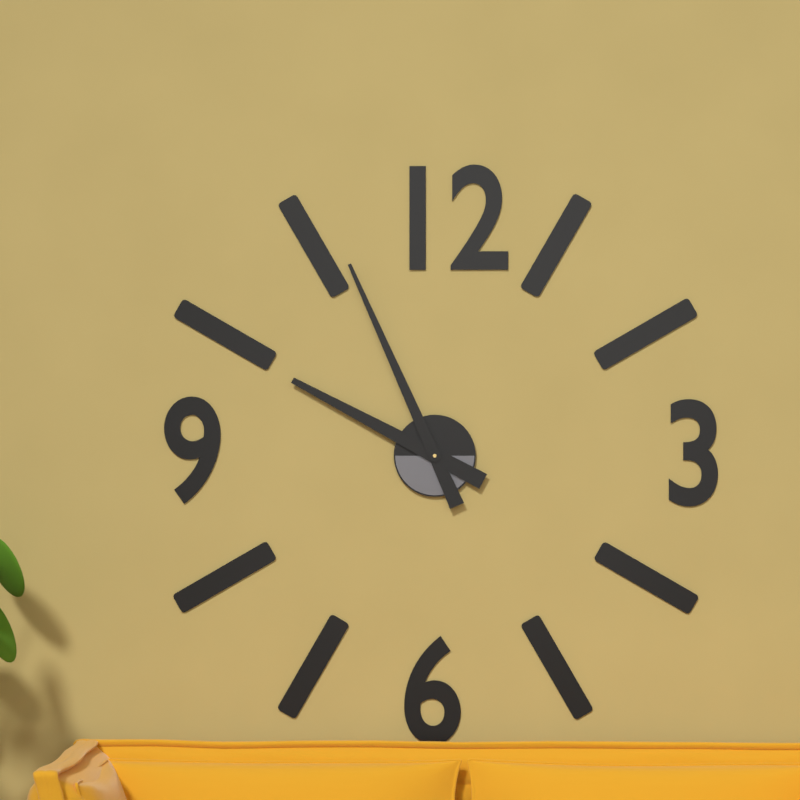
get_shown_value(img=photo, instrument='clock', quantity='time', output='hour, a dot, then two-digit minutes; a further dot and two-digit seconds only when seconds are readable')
9.56
